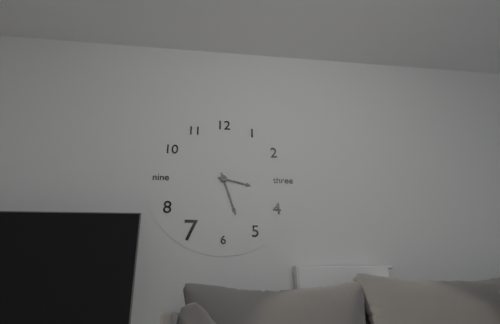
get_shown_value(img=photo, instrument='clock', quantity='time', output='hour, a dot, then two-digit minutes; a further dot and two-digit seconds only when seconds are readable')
3.27
